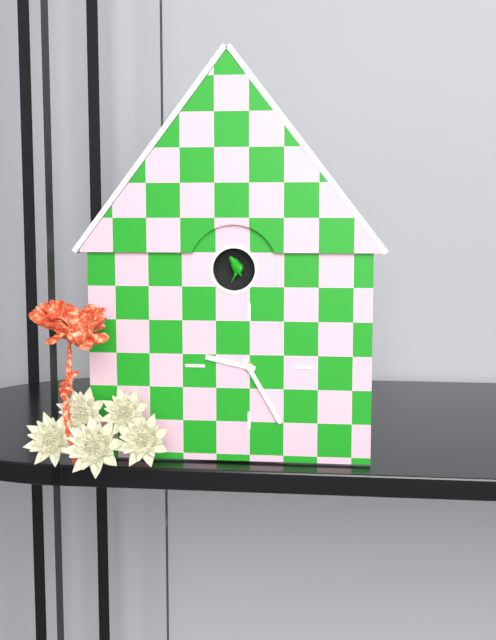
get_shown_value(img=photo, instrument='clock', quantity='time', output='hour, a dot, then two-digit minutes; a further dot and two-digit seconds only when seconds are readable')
9.25
